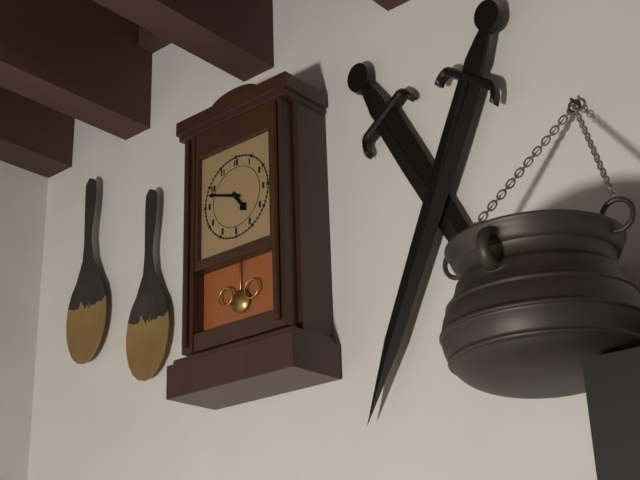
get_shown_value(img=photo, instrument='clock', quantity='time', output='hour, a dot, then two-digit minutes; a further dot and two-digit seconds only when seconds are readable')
4.48
